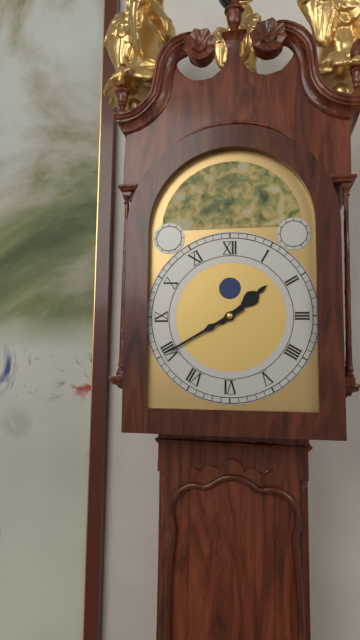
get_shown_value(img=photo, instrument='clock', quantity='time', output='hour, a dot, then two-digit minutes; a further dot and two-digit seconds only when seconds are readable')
1.40
